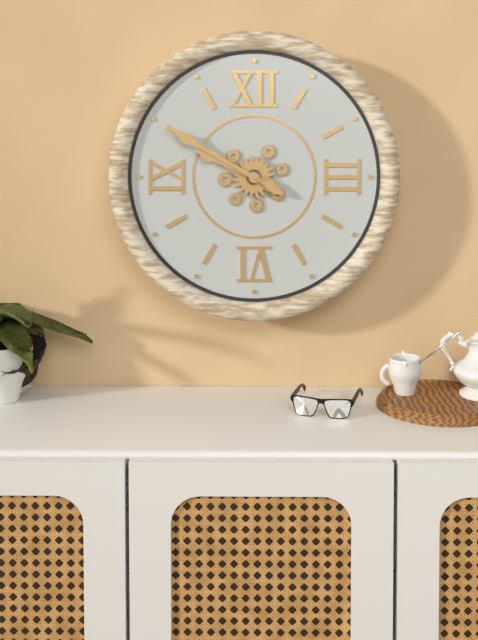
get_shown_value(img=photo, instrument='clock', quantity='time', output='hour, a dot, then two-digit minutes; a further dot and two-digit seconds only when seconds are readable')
9.50
